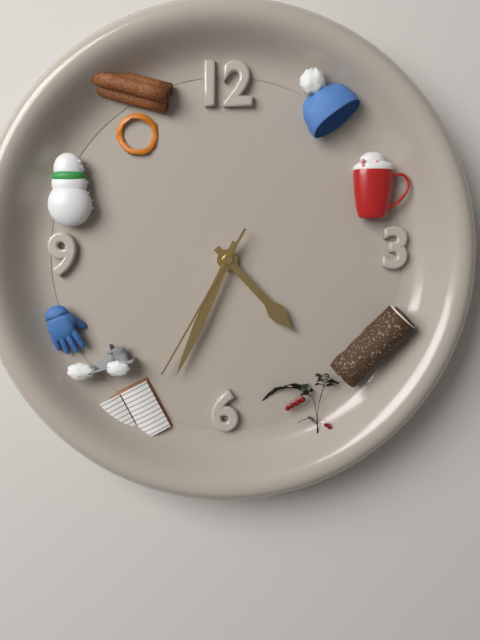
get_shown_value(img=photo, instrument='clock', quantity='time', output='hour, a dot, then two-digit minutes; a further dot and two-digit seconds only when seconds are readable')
4.34.35
